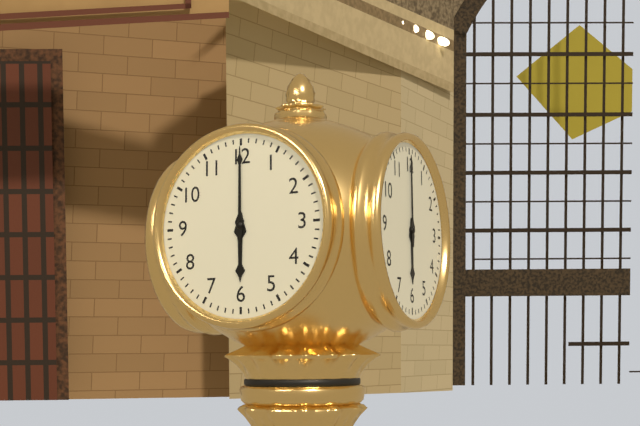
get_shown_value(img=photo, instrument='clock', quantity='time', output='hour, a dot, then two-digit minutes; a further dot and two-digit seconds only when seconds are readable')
6.00
